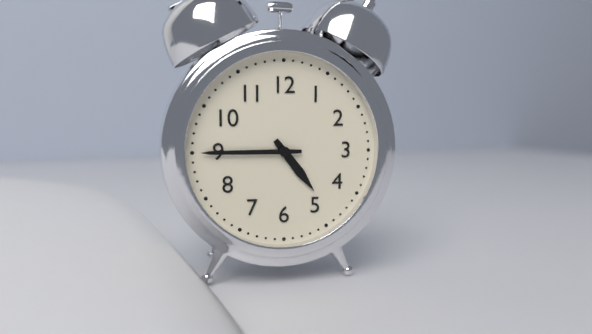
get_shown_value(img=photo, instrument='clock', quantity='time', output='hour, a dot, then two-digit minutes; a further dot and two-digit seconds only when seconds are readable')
4.45
